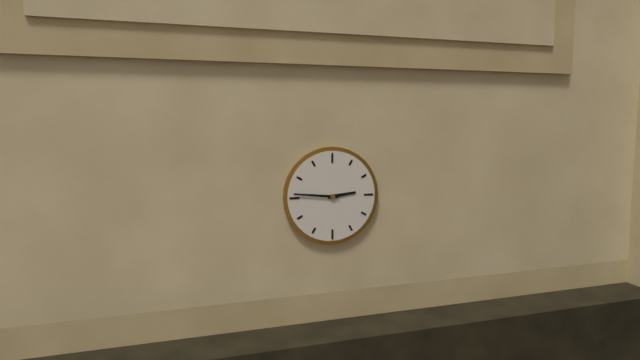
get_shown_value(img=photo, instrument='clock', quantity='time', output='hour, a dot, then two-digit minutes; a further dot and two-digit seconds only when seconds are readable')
2.46
